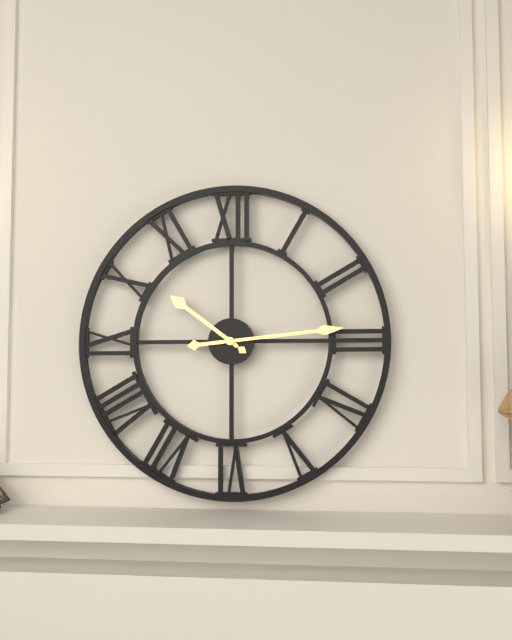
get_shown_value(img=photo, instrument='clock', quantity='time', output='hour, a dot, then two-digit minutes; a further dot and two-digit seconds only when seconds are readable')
10.14
